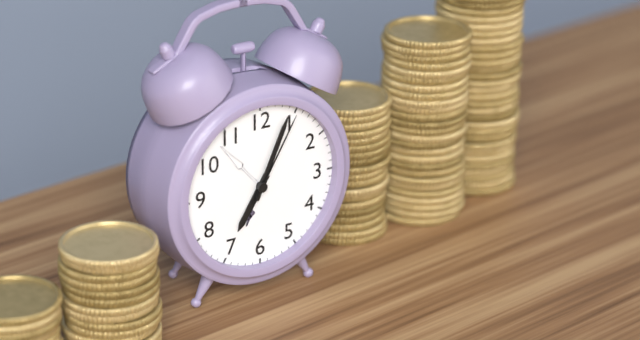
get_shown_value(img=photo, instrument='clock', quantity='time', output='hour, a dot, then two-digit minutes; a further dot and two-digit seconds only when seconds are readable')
7.04.05
